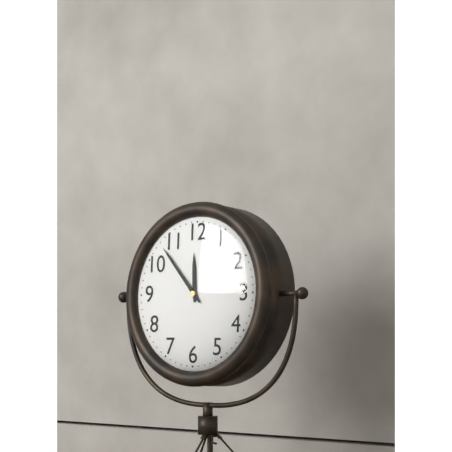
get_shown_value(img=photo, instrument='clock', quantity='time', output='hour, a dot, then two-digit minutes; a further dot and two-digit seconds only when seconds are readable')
11.53
